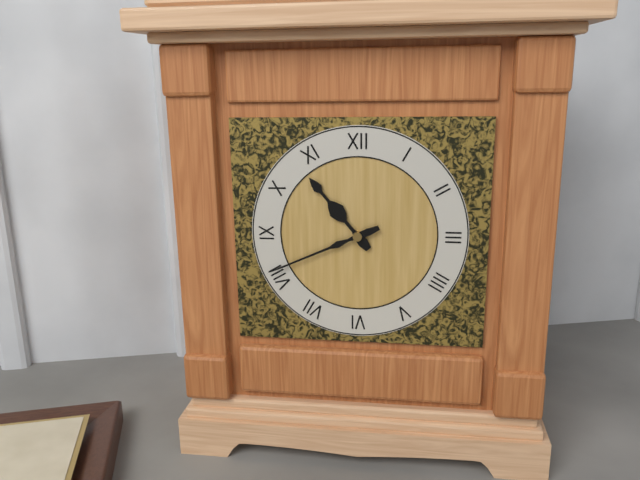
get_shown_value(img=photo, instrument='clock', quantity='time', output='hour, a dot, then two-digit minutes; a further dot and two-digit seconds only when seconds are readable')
10.41
